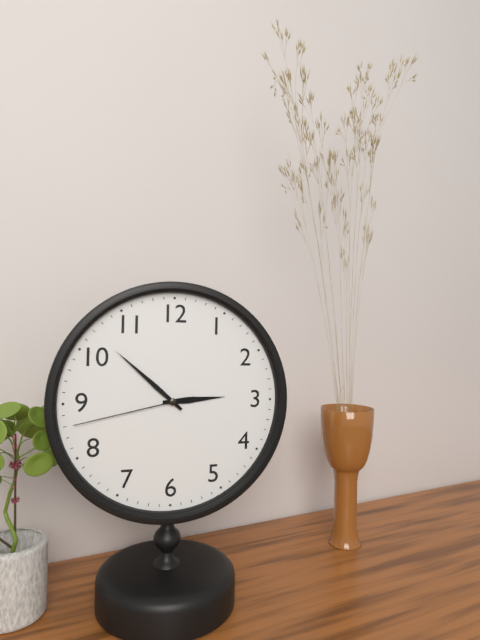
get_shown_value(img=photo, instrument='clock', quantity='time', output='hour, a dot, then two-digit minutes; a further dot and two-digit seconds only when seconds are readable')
2.52.43
